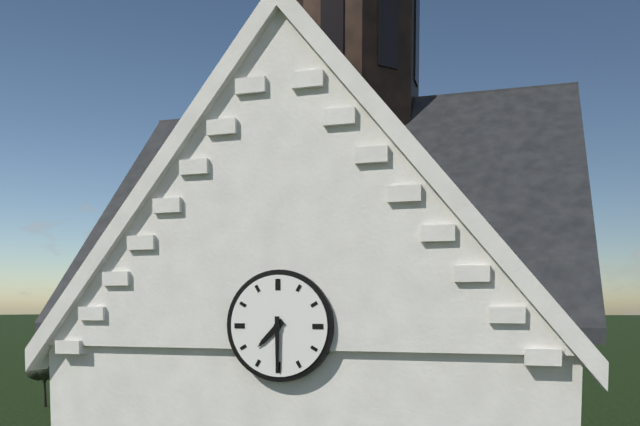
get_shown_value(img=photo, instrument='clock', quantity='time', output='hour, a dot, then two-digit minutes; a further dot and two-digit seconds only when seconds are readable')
7.30
